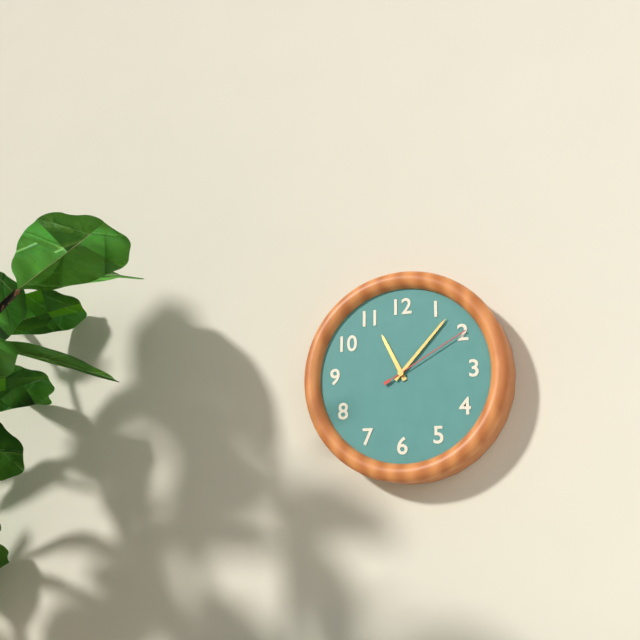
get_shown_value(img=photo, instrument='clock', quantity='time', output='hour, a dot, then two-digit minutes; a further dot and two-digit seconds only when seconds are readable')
11.07.10
